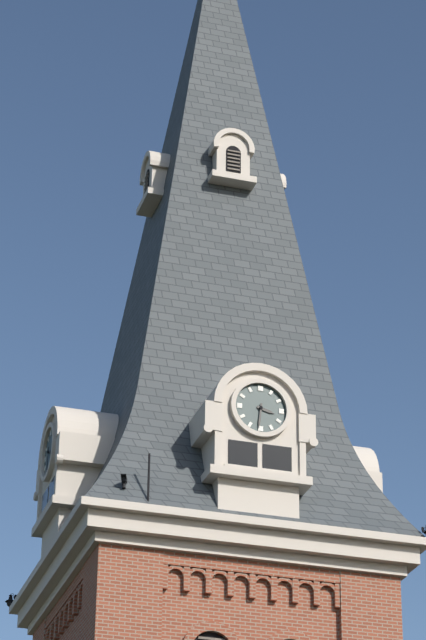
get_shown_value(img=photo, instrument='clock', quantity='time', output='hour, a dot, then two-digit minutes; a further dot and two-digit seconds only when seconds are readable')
3.31
